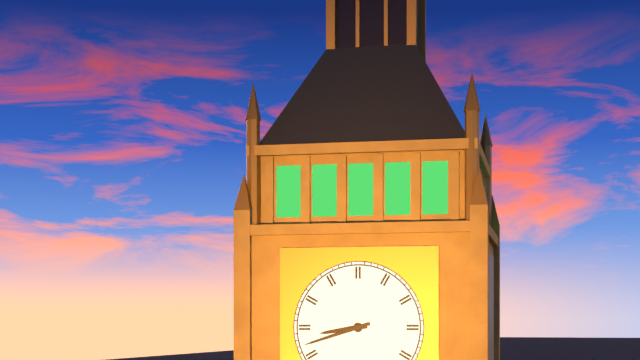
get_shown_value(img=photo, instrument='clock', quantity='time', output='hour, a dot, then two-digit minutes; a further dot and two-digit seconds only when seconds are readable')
8.42
